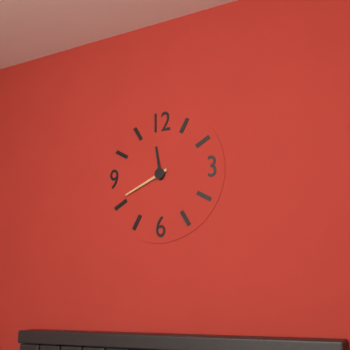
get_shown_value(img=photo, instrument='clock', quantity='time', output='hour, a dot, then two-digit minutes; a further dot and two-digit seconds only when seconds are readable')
11.41
